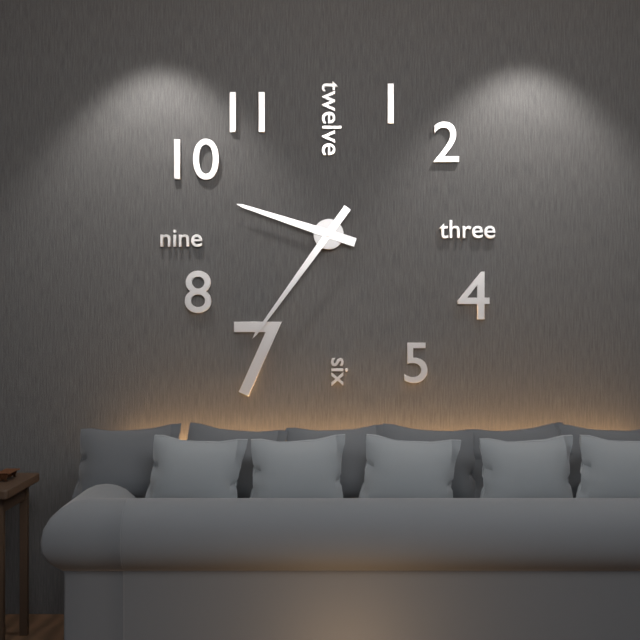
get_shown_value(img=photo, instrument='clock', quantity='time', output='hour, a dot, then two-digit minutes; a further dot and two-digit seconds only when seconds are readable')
9.36
